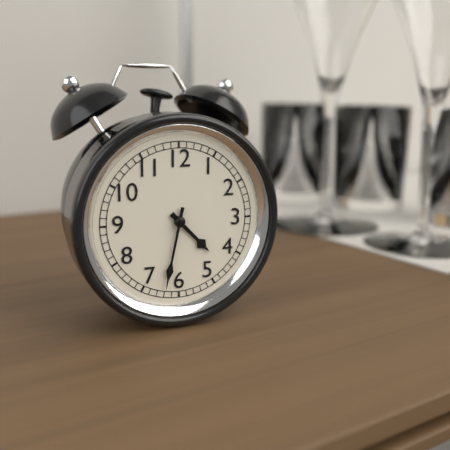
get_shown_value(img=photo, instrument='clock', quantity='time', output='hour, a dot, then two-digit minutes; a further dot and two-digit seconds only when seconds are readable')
4.32
